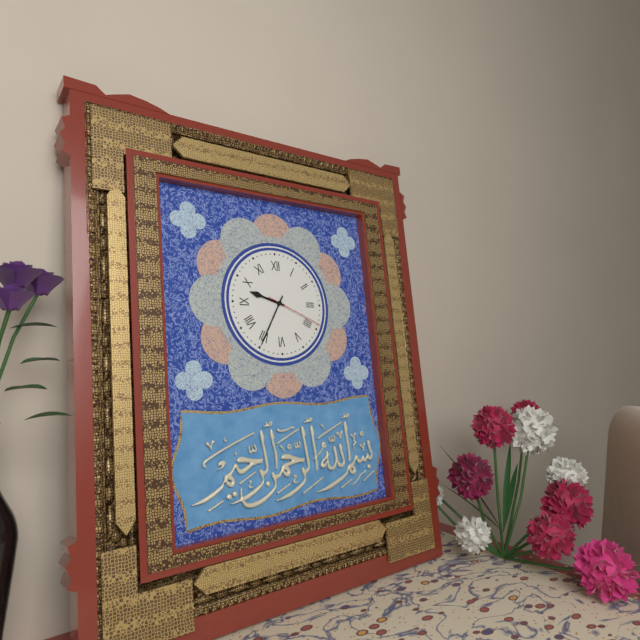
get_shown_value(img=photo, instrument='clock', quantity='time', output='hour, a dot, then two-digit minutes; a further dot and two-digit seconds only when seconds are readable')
9.35.19
